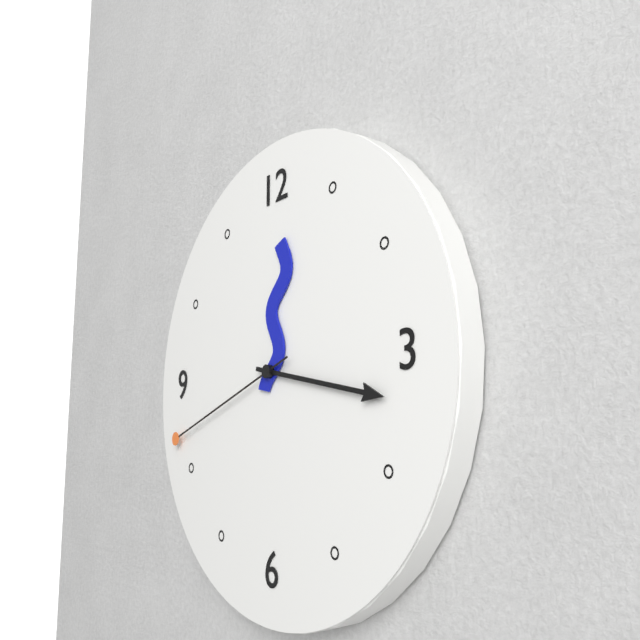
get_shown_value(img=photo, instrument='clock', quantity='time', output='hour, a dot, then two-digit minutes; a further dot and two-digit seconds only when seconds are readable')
12.17.42
